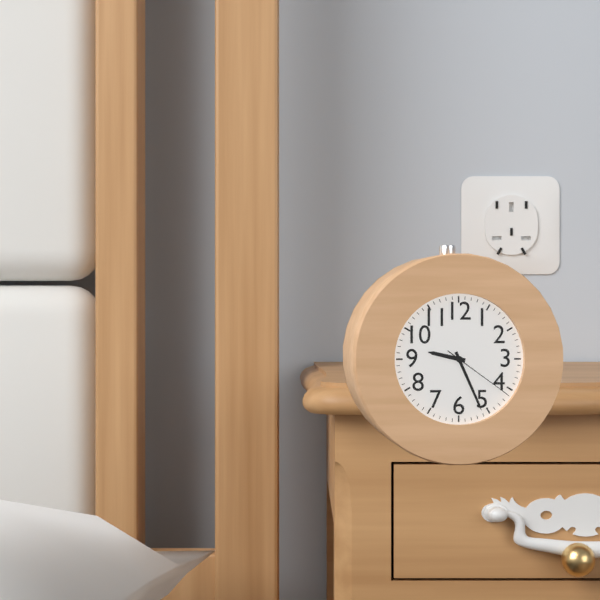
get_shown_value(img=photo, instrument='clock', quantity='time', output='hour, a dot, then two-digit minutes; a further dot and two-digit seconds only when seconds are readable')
9.26.21
